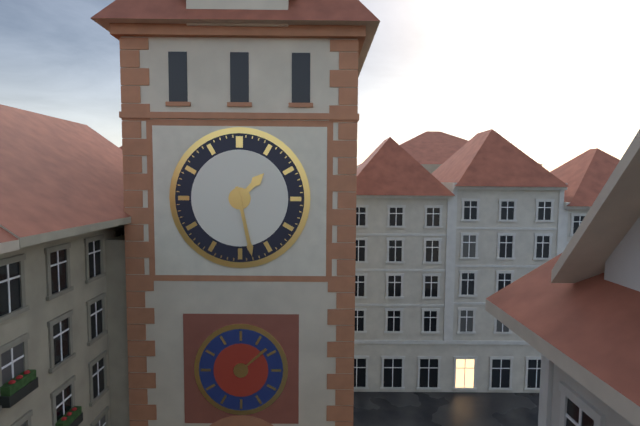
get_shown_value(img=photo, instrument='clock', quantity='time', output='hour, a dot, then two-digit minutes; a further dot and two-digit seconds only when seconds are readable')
1.28
